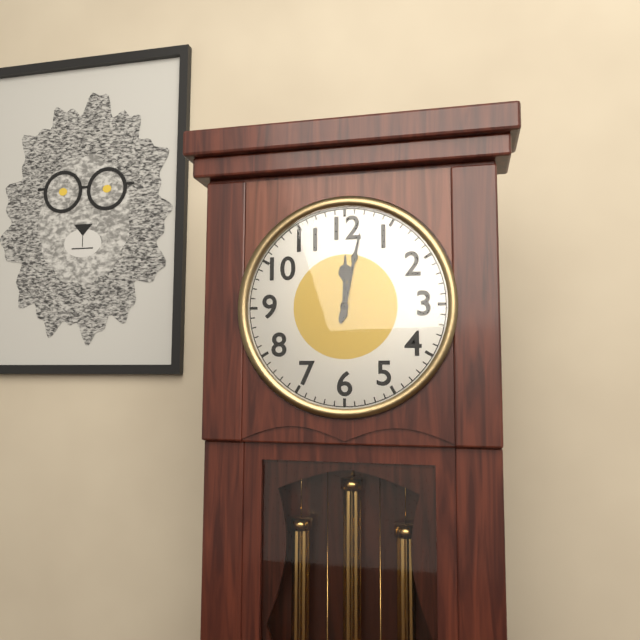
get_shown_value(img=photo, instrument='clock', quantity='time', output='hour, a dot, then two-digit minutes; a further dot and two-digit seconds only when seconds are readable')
12.02
